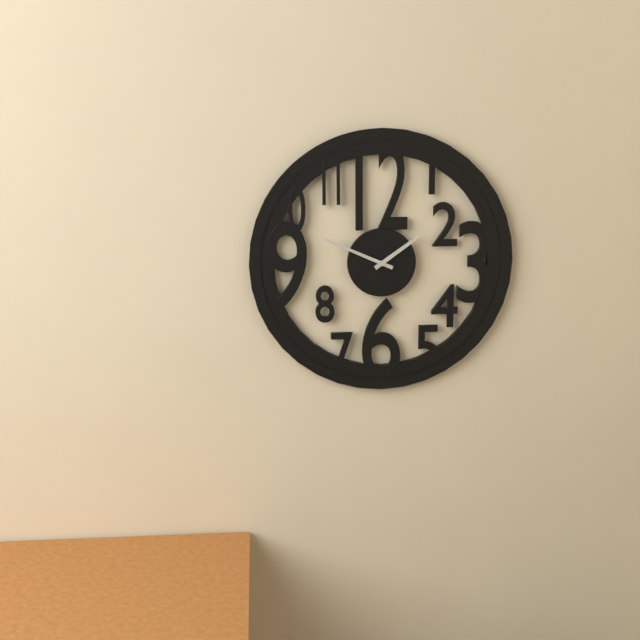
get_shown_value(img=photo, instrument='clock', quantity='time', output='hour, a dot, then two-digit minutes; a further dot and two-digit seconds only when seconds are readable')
1.49
